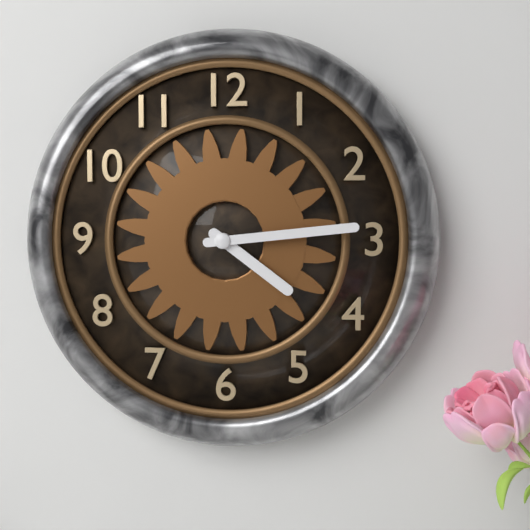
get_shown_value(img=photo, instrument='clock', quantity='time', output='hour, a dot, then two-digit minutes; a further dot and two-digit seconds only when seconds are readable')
4.14
